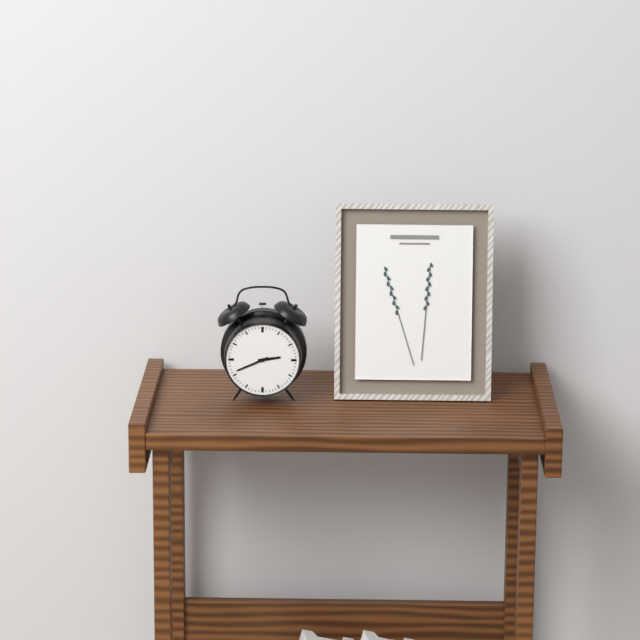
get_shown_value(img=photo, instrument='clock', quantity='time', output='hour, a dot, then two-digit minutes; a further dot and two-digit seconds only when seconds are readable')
2.41
